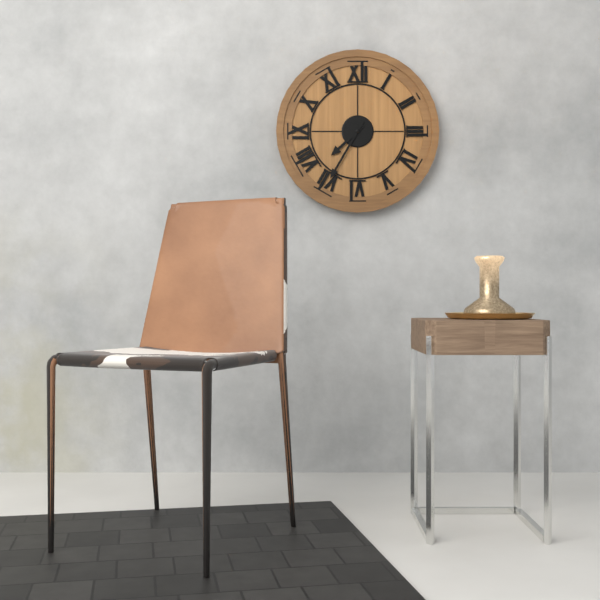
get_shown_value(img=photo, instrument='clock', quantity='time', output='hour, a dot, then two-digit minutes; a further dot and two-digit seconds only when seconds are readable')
7.35
